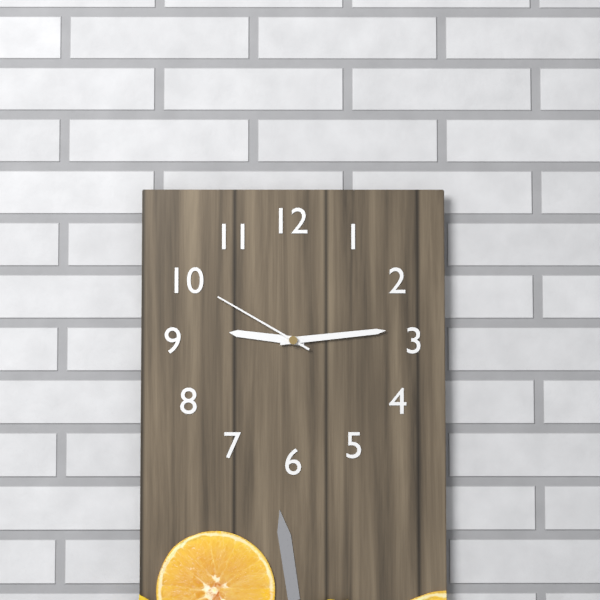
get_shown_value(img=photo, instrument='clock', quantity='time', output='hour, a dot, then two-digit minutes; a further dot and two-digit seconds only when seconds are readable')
9.14.50
